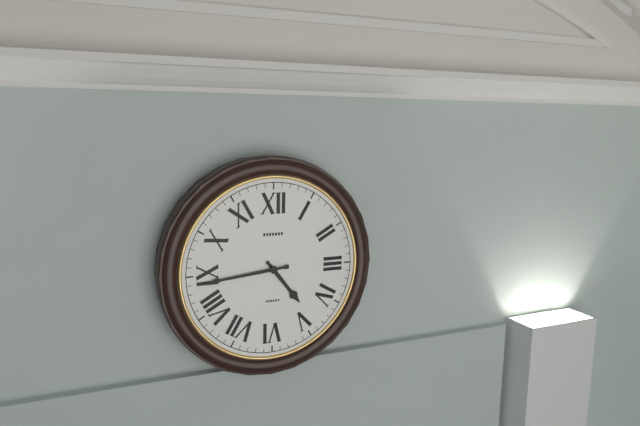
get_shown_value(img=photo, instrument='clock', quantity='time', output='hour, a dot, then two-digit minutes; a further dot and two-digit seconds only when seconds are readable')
4.44
